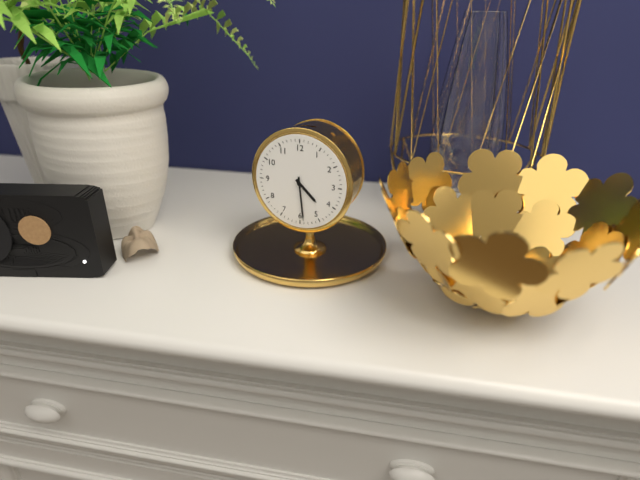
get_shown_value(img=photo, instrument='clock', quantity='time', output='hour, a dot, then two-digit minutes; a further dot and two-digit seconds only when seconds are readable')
4.29
